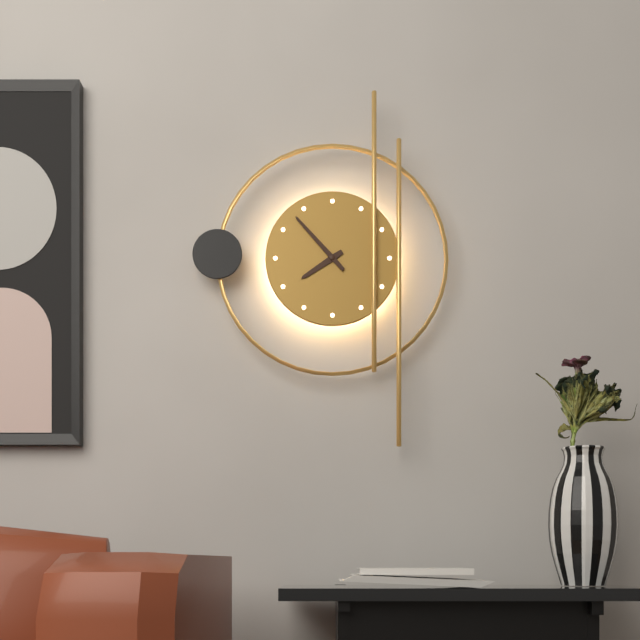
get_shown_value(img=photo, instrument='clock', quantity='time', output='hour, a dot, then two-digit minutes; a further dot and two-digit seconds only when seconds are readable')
7.53
